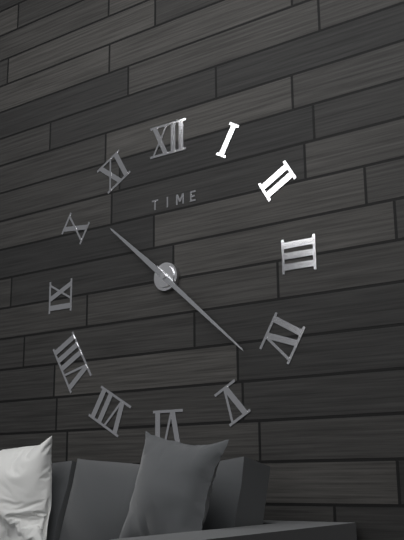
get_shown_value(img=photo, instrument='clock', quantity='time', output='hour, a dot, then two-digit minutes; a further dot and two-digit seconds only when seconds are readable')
10.22
